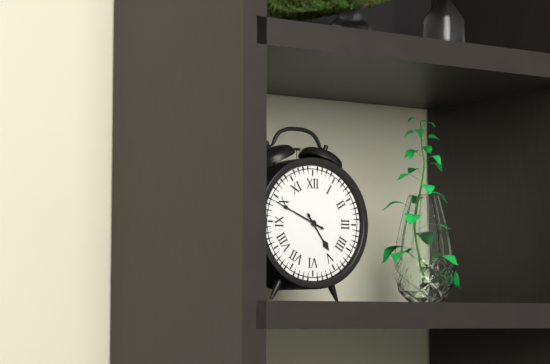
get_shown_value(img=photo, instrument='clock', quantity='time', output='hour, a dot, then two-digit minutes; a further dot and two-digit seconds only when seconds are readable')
4.49
